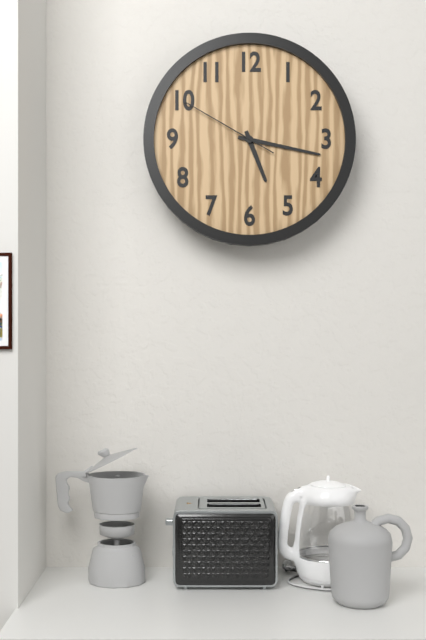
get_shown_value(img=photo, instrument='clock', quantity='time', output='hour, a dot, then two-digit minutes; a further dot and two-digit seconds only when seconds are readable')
5.17.50
